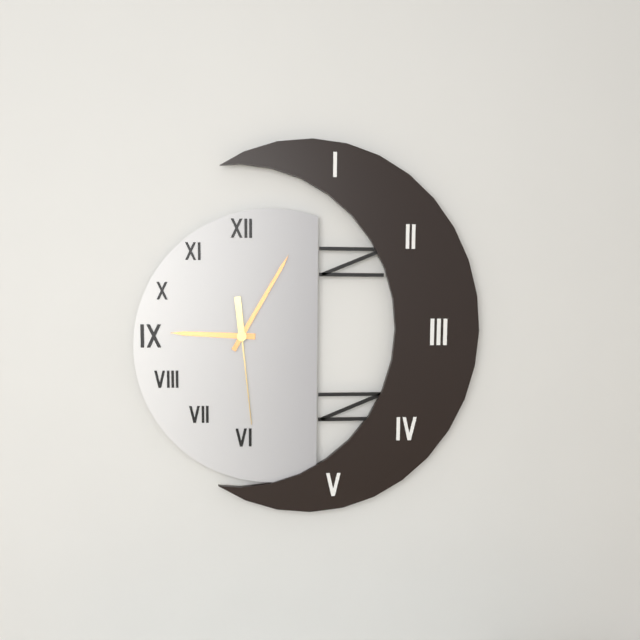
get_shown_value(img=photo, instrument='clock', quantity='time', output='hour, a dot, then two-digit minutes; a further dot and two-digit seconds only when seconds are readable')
9.05.29
